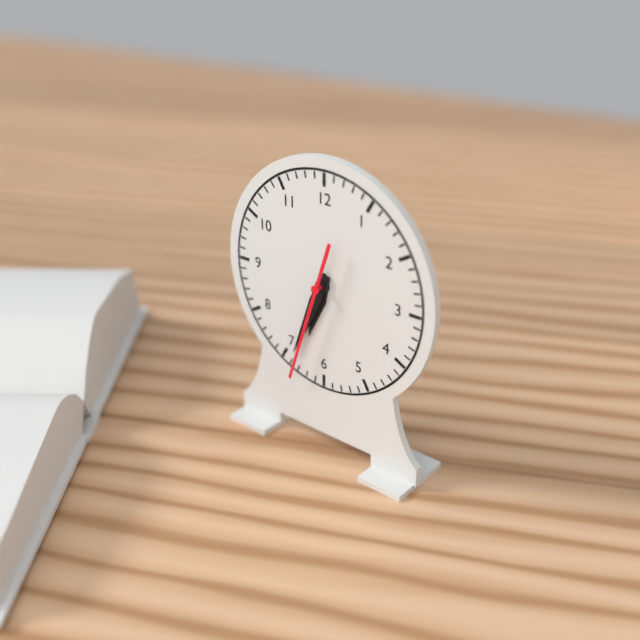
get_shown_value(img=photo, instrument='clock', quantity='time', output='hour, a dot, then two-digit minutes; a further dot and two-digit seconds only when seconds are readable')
6.34.33
